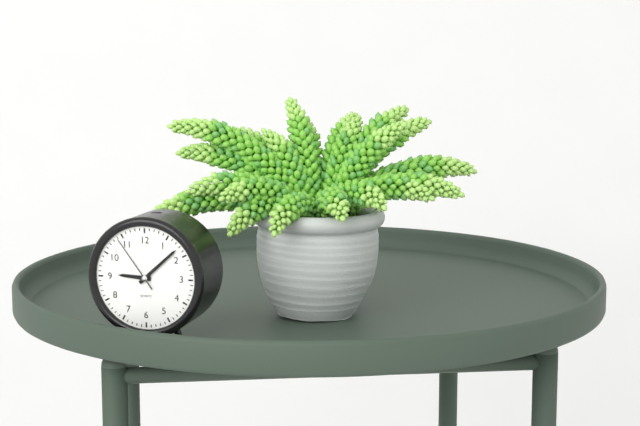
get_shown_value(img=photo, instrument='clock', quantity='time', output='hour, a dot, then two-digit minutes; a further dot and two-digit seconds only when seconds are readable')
9.08.54
